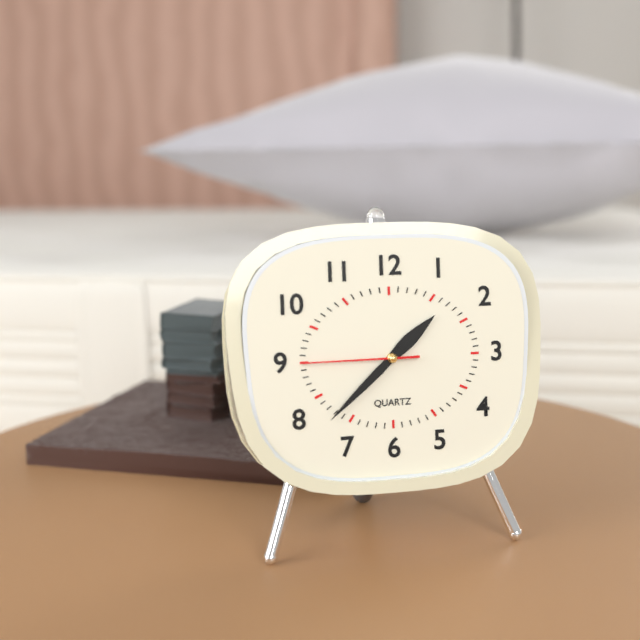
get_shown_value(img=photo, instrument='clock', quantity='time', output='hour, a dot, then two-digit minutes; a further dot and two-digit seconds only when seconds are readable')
1.38.45
